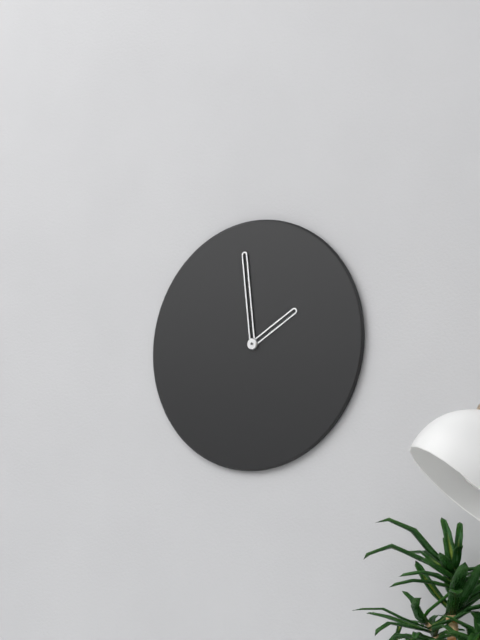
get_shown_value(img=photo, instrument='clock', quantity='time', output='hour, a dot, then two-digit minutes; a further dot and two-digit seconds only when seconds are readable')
1.59
